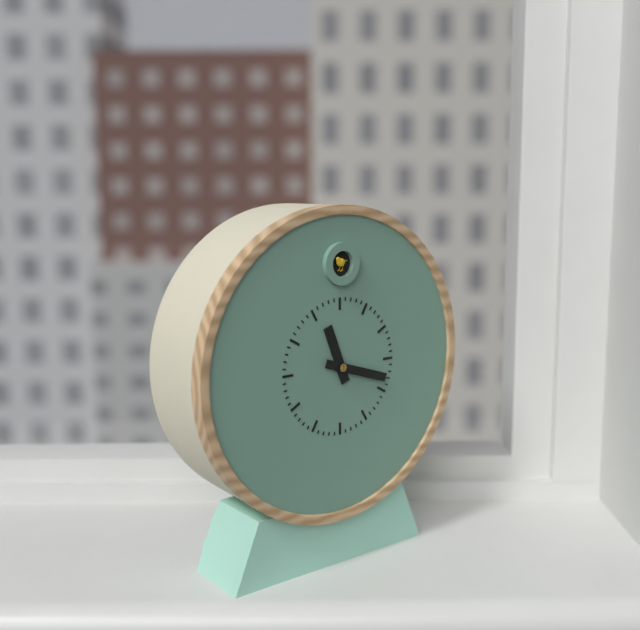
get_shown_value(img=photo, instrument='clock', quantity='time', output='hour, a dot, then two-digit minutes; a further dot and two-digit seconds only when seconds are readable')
11.18
